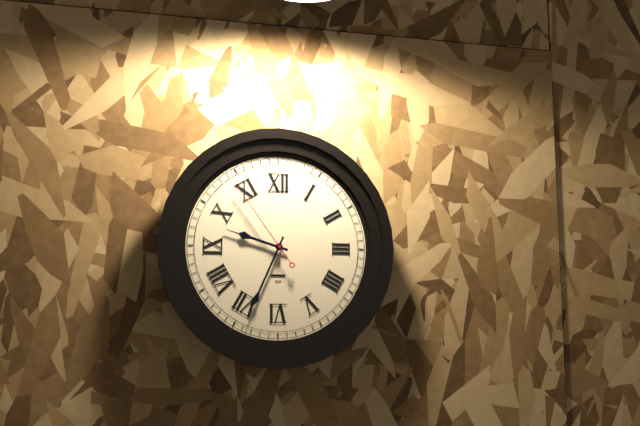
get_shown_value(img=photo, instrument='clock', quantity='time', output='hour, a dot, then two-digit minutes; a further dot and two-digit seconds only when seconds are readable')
9.34.54
